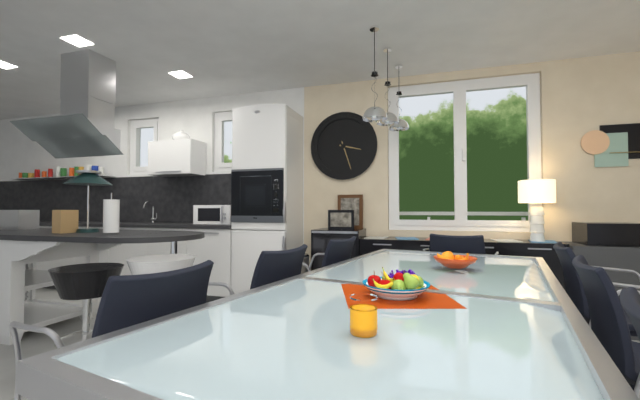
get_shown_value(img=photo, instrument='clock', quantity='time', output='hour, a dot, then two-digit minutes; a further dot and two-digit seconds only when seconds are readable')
3.27
